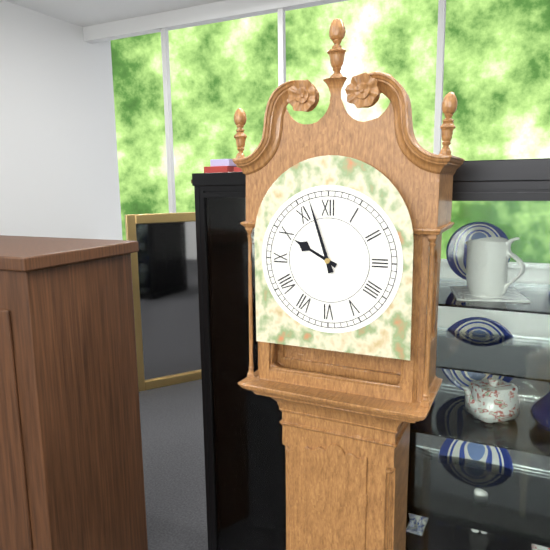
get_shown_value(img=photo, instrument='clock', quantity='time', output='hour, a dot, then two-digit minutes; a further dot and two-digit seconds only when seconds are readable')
9.57
